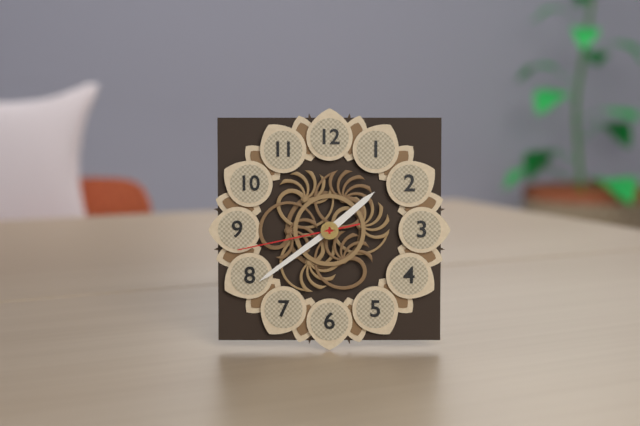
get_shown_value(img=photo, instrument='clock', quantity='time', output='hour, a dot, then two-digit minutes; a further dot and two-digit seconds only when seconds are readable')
1.39.43
